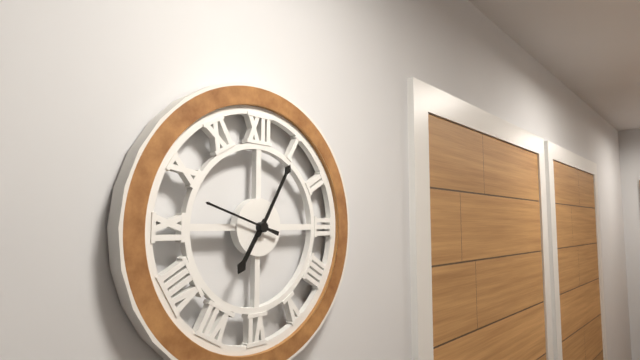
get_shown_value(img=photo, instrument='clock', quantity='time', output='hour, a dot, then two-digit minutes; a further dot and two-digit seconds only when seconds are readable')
7.05.48
